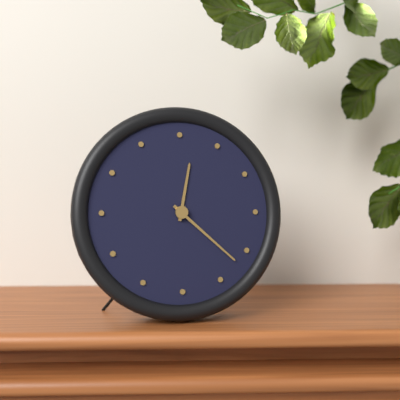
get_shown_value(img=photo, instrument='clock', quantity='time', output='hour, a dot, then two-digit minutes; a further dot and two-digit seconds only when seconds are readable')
12.22
